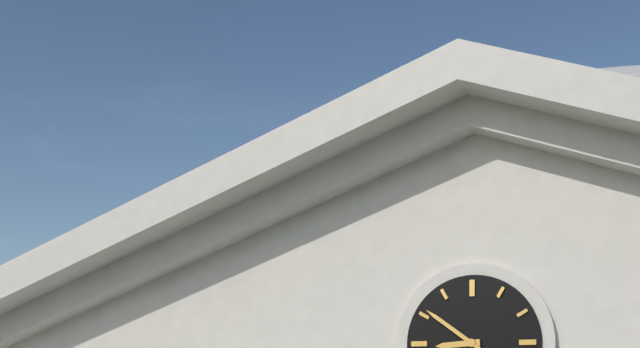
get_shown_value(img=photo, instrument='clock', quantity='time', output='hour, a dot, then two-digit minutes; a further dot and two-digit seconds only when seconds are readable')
8.51
